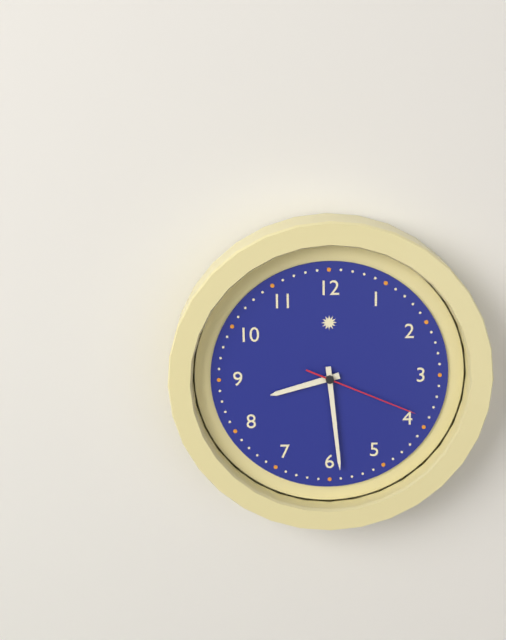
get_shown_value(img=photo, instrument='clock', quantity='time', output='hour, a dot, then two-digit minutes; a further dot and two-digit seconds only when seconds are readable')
8.29.19
